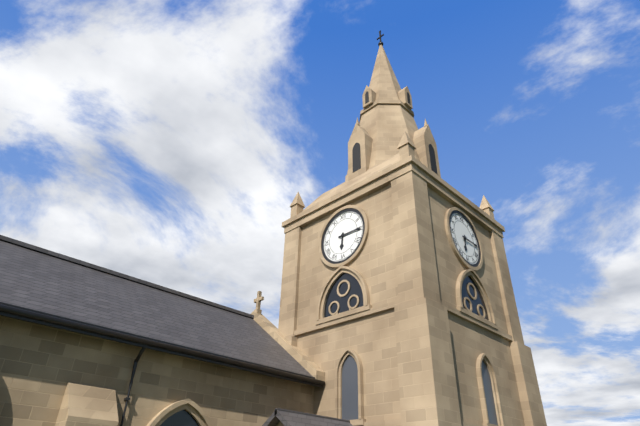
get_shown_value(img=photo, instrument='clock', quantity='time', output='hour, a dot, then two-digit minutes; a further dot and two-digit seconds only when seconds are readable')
6.15
